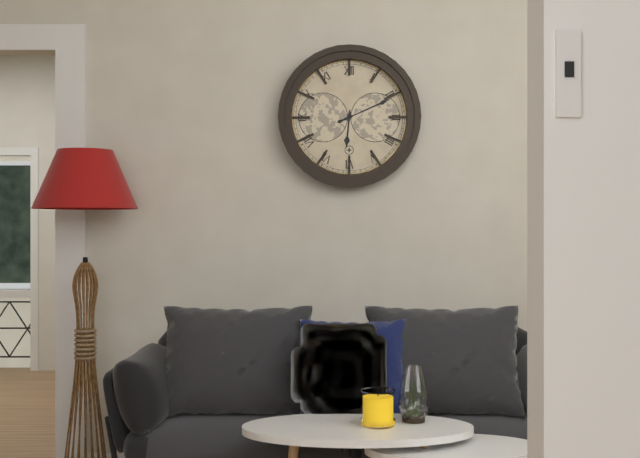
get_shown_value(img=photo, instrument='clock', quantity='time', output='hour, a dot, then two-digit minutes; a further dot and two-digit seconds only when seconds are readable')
6.11
